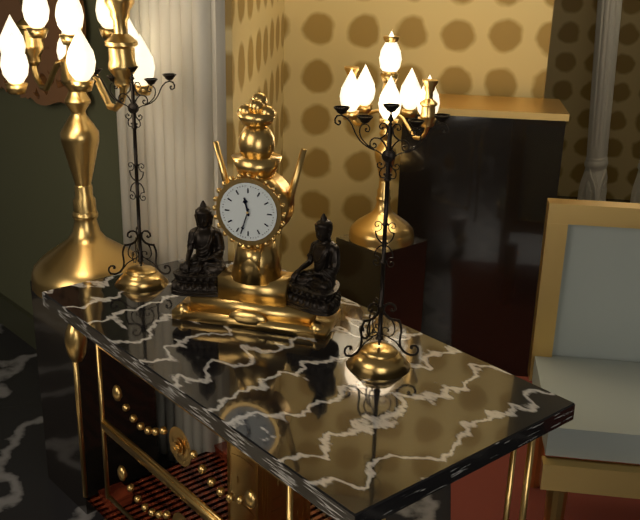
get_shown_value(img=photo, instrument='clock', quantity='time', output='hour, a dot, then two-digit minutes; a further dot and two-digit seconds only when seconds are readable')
11.33
